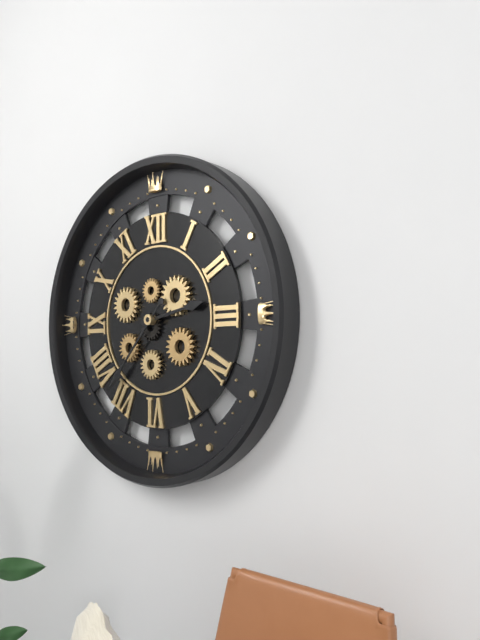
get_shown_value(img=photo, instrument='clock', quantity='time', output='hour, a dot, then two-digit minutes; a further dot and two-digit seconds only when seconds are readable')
2.37
